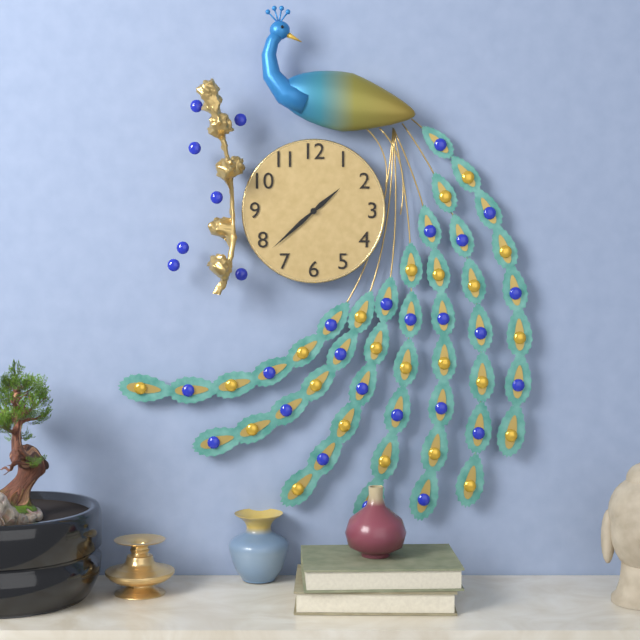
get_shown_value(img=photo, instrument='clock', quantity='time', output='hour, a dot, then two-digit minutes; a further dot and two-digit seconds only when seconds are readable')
1.38
